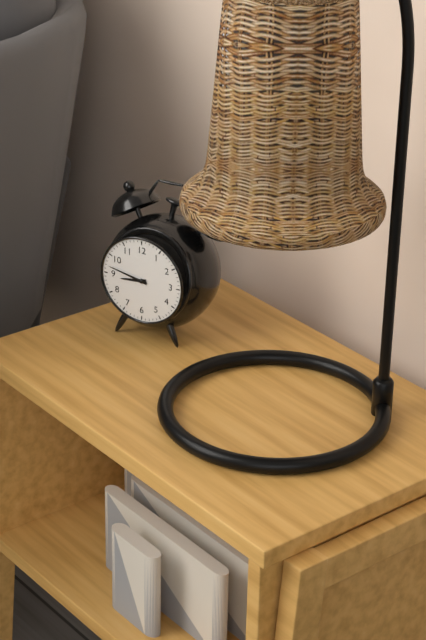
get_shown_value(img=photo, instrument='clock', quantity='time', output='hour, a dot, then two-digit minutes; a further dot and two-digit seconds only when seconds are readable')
8.47
